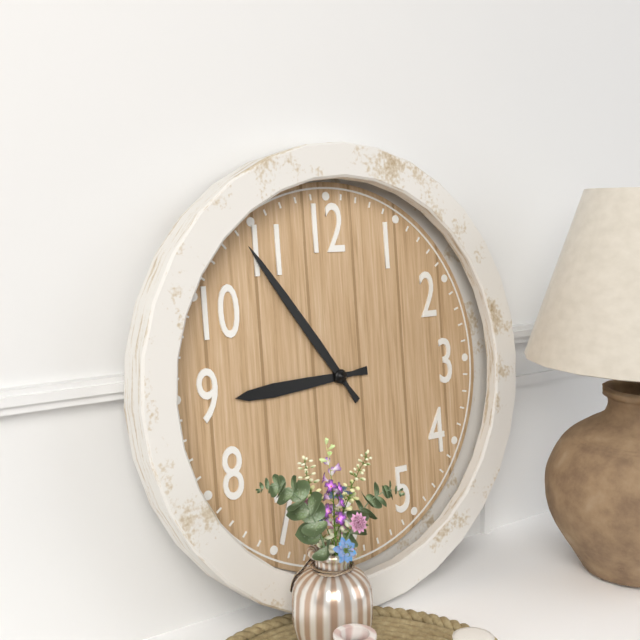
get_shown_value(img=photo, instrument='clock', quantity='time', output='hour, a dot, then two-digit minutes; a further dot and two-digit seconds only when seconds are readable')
8.54
